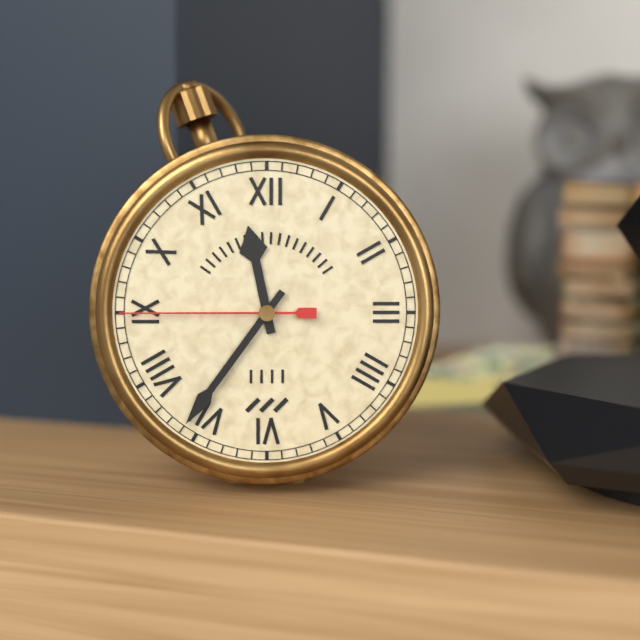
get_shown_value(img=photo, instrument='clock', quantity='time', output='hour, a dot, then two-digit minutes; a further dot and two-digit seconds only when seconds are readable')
11.36.45
